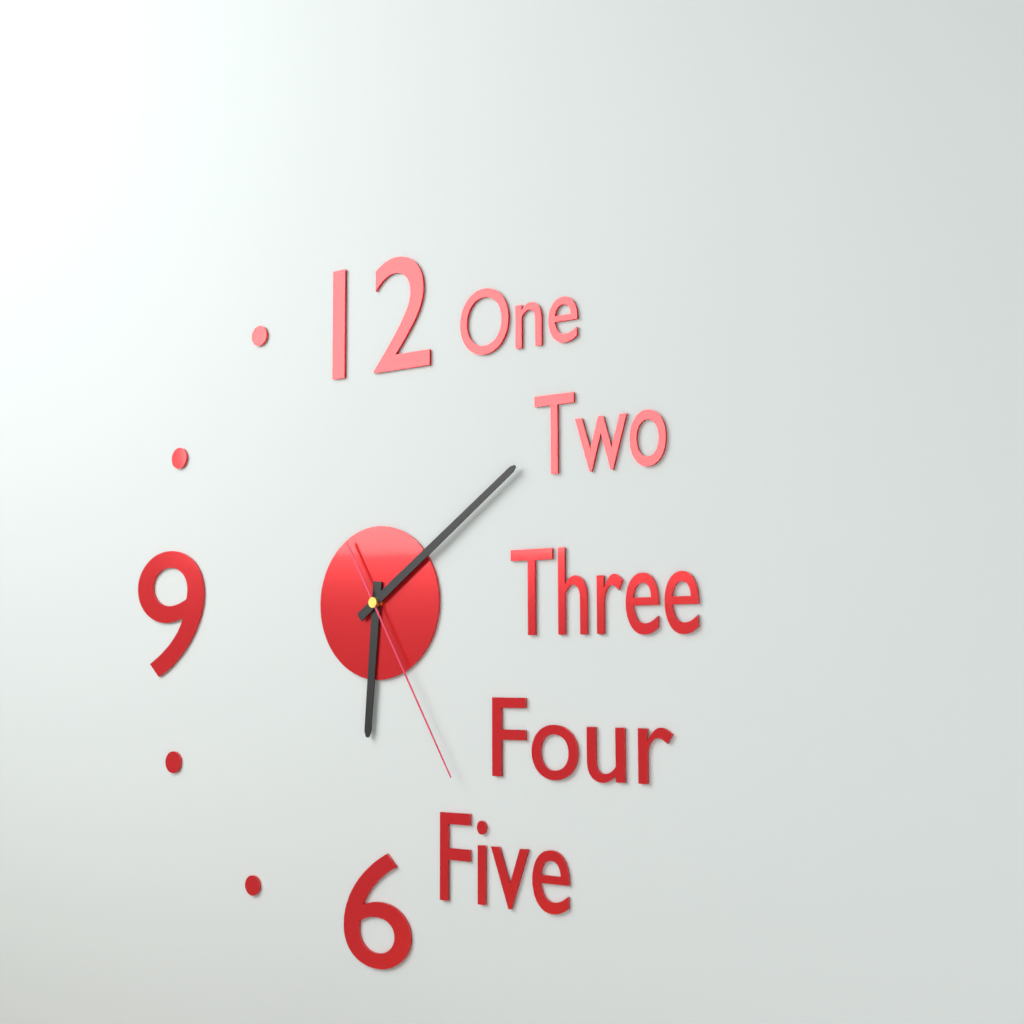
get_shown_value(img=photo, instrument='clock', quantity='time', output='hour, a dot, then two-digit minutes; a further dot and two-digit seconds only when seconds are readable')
6.09.25
